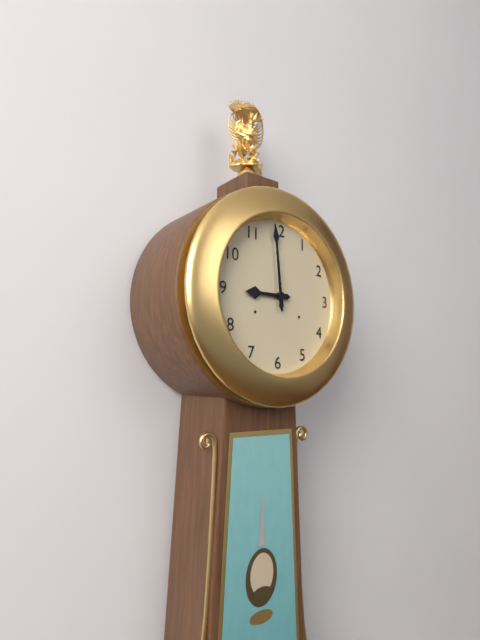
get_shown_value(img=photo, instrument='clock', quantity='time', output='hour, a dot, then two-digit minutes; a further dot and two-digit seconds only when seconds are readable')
8.59
